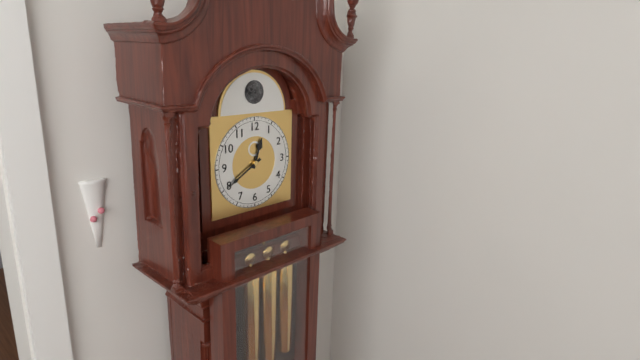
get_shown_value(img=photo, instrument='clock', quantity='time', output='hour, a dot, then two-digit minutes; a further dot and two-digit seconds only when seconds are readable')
12.40
